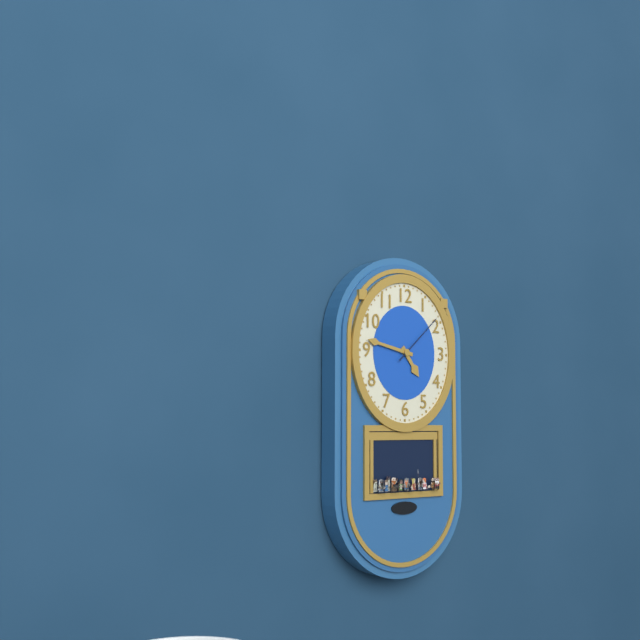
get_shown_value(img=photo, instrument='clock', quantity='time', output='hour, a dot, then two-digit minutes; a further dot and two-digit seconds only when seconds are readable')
4.47.08
